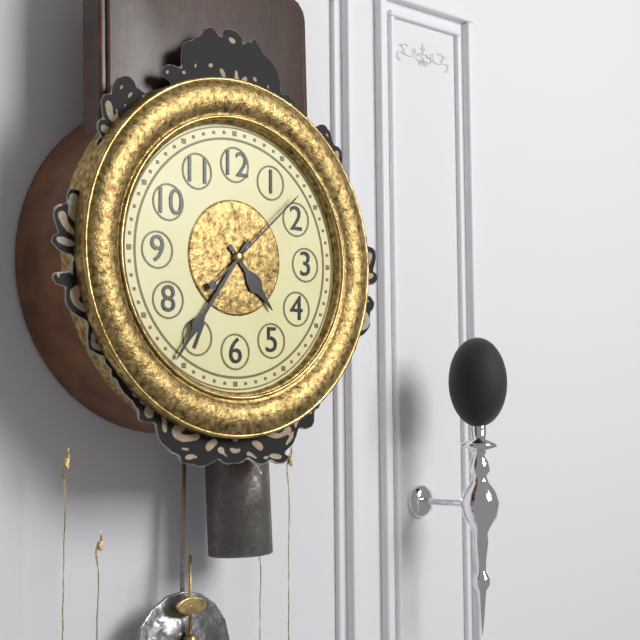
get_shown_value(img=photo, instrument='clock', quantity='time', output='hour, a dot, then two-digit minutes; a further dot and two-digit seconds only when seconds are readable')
4.36.08
